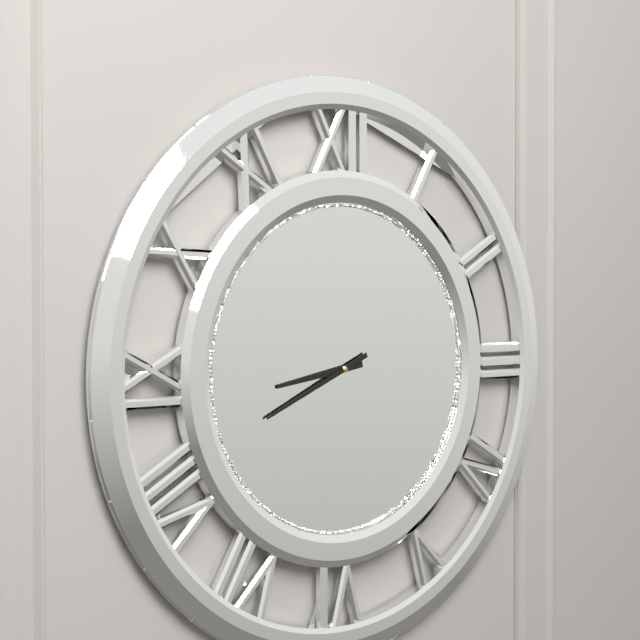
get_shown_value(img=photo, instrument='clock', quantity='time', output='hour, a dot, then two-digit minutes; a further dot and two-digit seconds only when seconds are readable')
8.41
